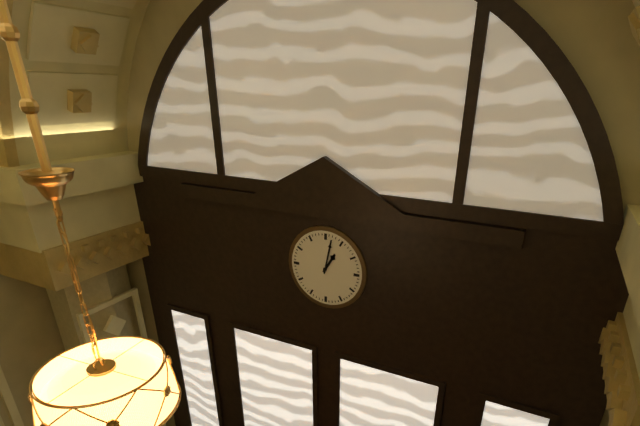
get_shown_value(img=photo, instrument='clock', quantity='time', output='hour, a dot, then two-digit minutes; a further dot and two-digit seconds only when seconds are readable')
1.02
